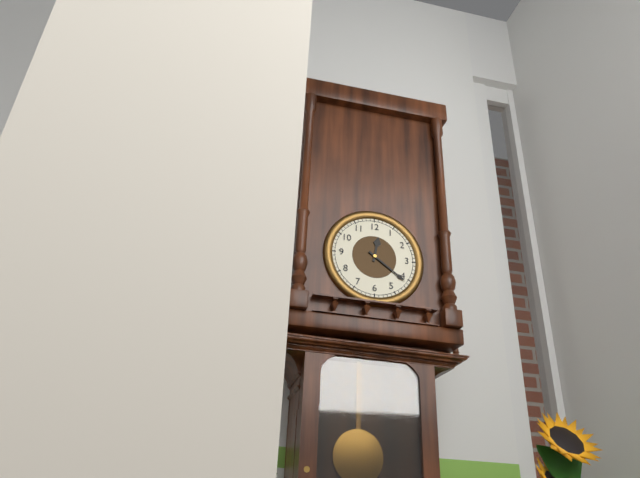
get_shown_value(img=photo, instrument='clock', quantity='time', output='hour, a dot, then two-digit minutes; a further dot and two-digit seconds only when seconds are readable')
12.21
